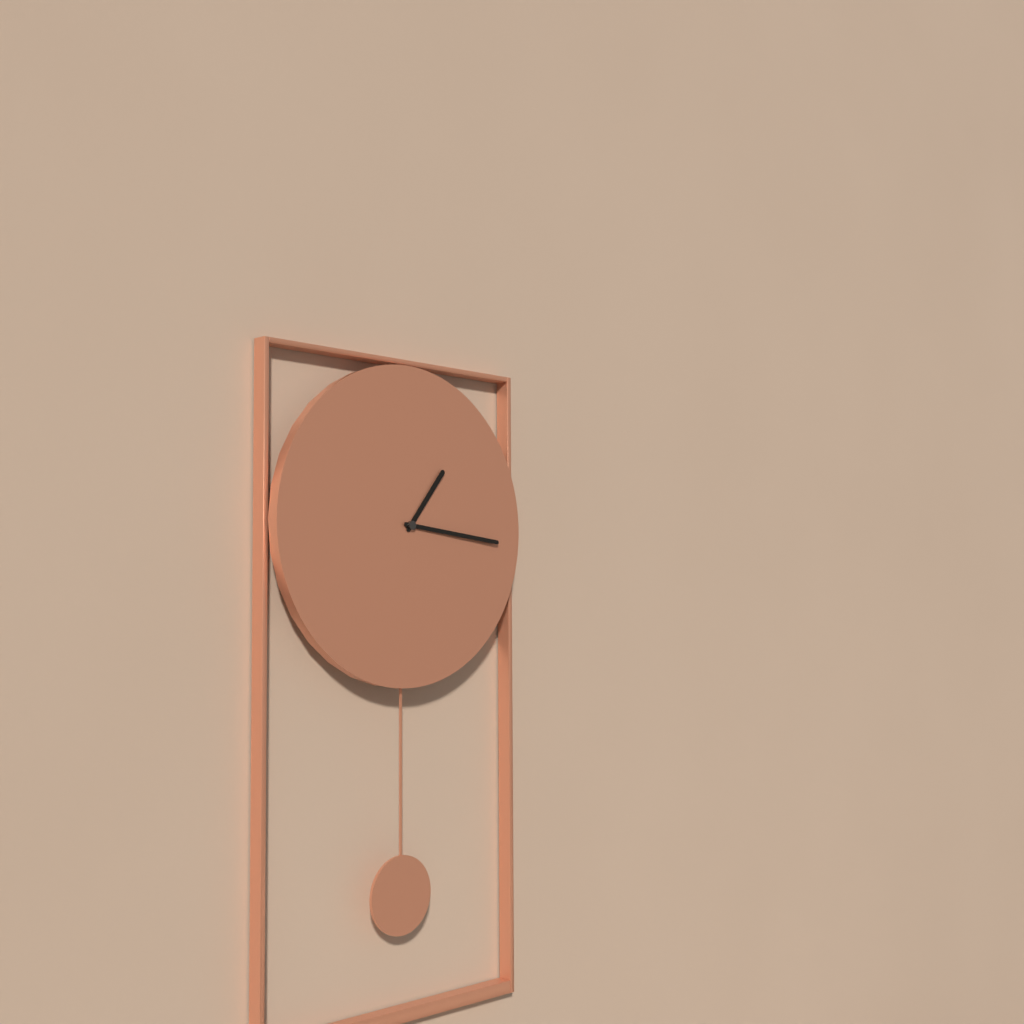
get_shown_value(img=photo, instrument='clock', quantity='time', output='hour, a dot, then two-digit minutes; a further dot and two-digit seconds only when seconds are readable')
1.16
